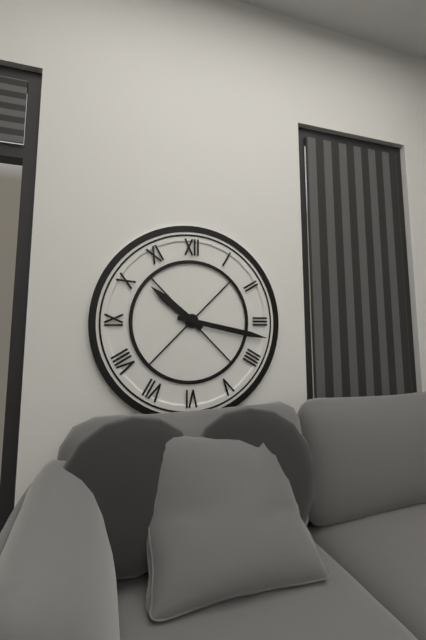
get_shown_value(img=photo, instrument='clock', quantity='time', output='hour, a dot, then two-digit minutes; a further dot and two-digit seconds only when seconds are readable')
10.17
